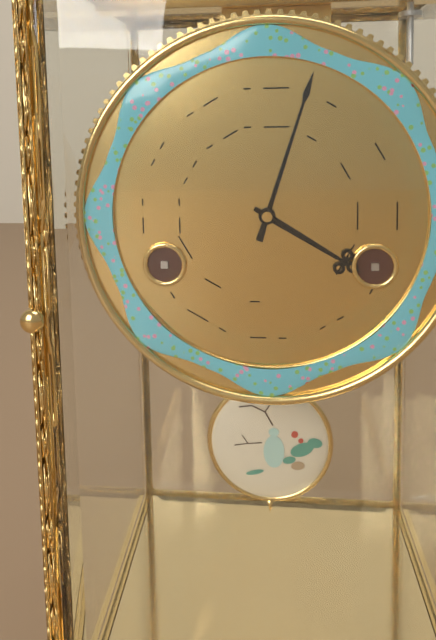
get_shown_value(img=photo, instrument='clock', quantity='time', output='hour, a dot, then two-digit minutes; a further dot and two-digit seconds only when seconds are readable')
4.03
